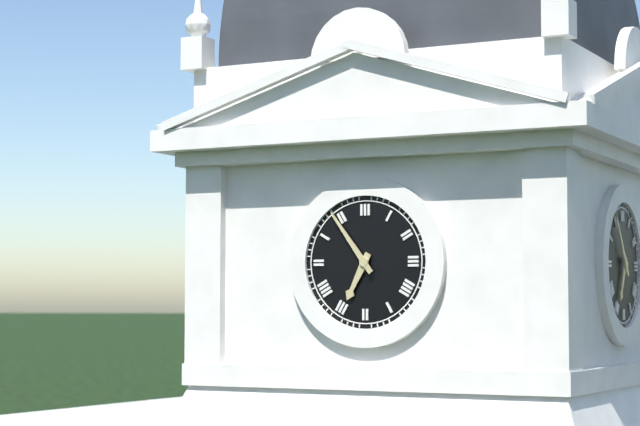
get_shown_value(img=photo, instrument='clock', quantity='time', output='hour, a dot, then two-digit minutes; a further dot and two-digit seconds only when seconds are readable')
6.54
